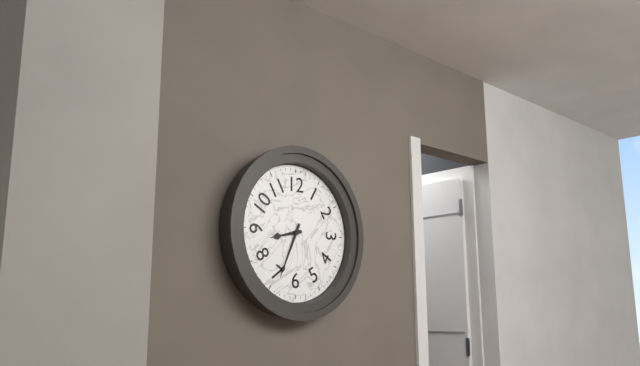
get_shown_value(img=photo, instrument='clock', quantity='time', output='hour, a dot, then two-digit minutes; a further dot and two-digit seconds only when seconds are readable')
8.34
